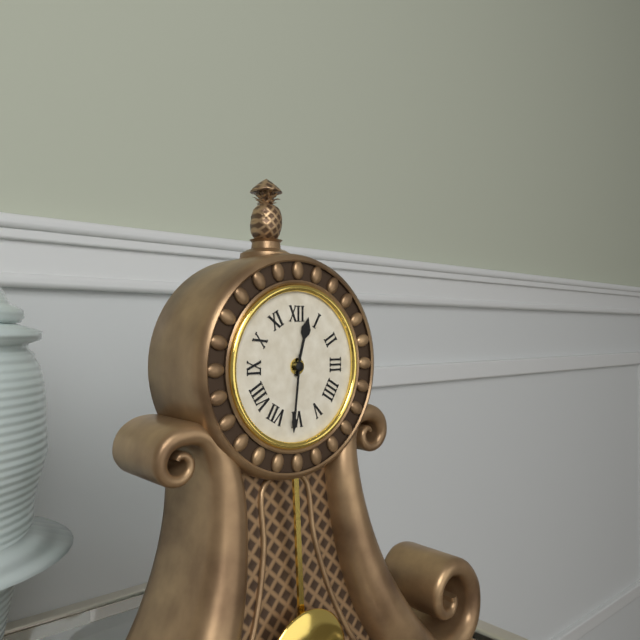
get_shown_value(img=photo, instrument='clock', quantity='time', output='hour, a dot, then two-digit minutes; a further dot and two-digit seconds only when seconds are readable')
12.31
